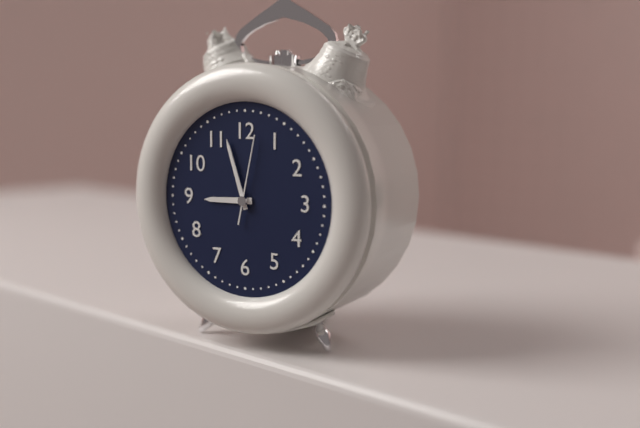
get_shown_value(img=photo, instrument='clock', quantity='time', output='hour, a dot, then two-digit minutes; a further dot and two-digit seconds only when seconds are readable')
8.57.02
